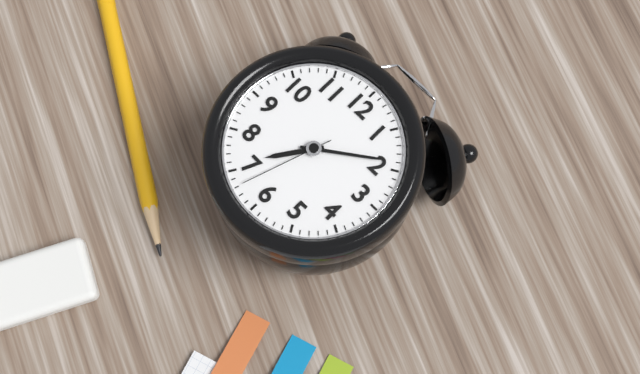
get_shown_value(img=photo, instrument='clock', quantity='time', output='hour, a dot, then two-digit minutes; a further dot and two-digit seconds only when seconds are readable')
7.09.33
